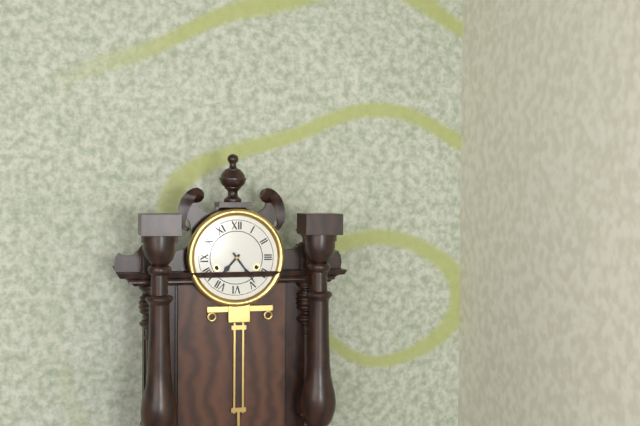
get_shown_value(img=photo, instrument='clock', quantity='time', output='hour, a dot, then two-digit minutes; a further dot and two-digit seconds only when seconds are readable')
7.24
